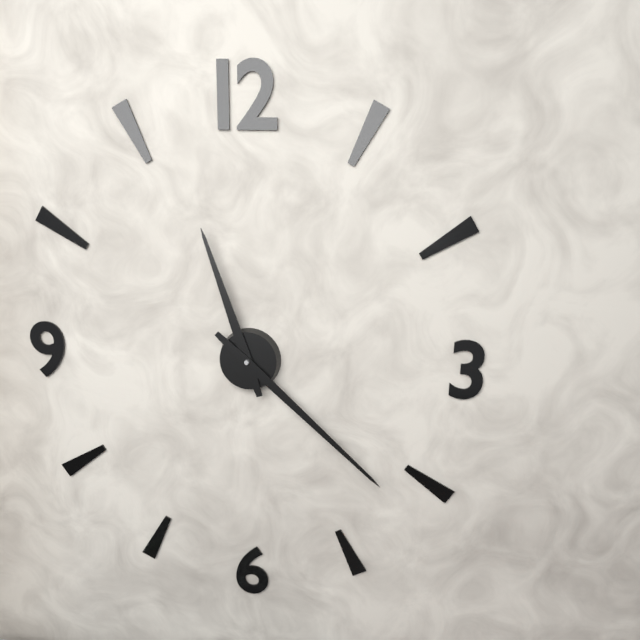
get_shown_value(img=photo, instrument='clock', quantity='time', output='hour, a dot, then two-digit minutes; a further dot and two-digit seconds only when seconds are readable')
11.22
